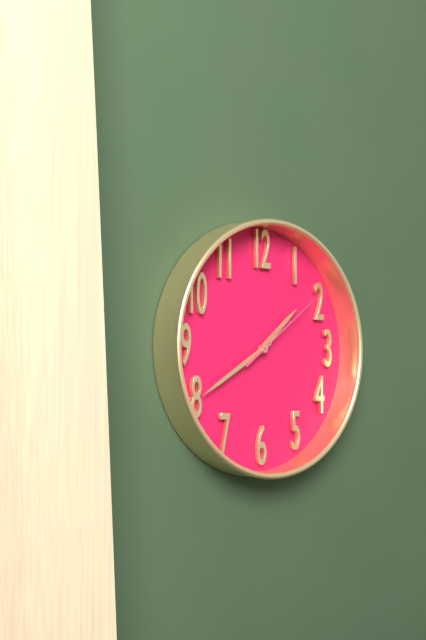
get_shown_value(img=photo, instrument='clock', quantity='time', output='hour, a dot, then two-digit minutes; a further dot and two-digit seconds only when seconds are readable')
1.40.09
